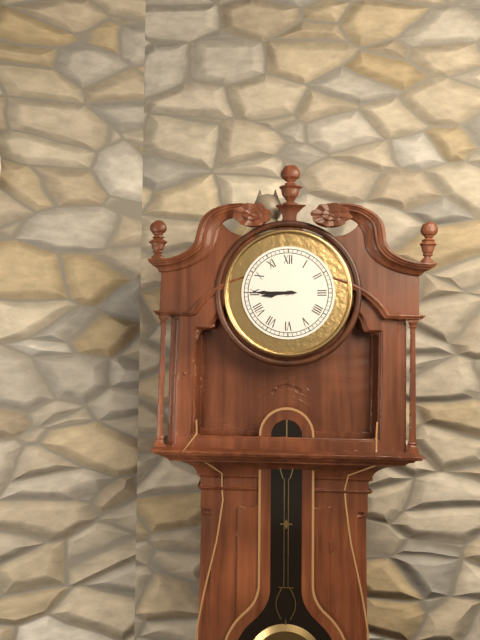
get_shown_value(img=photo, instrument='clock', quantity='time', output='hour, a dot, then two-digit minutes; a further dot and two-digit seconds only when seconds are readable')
8.45
